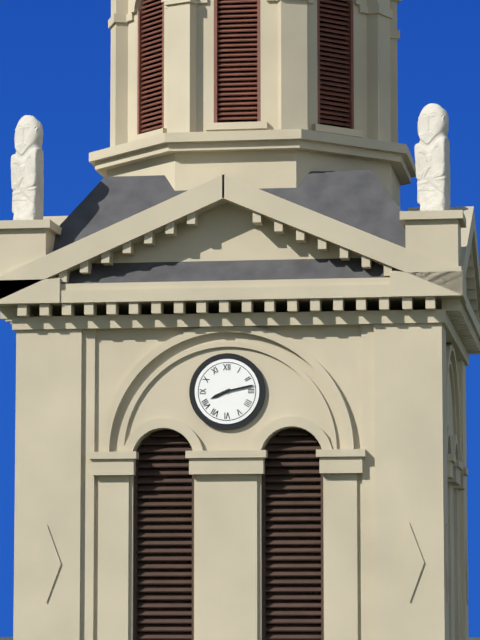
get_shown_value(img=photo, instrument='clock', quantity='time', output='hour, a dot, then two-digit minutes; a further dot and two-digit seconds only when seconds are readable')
8.13
